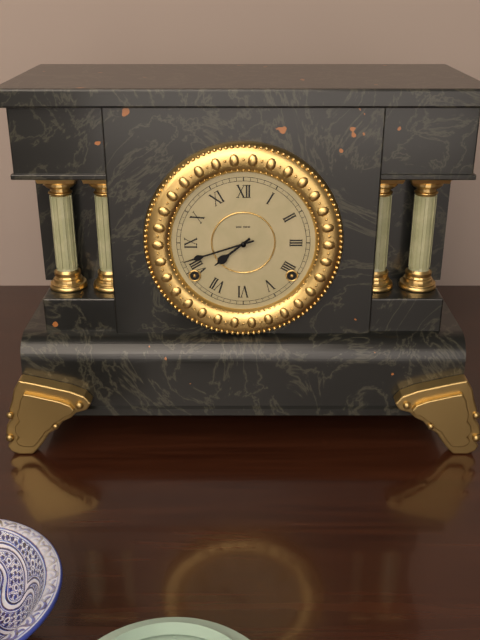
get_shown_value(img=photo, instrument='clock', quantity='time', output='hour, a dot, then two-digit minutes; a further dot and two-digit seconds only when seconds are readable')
7.42
